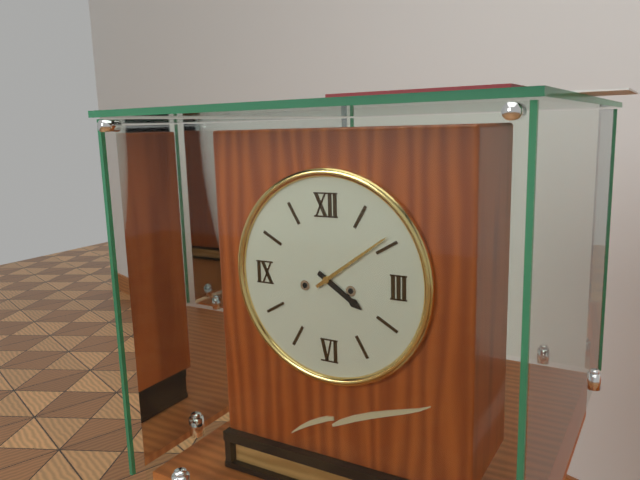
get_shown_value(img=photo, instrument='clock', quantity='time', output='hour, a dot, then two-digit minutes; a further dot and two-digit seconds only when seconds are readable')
4.09
